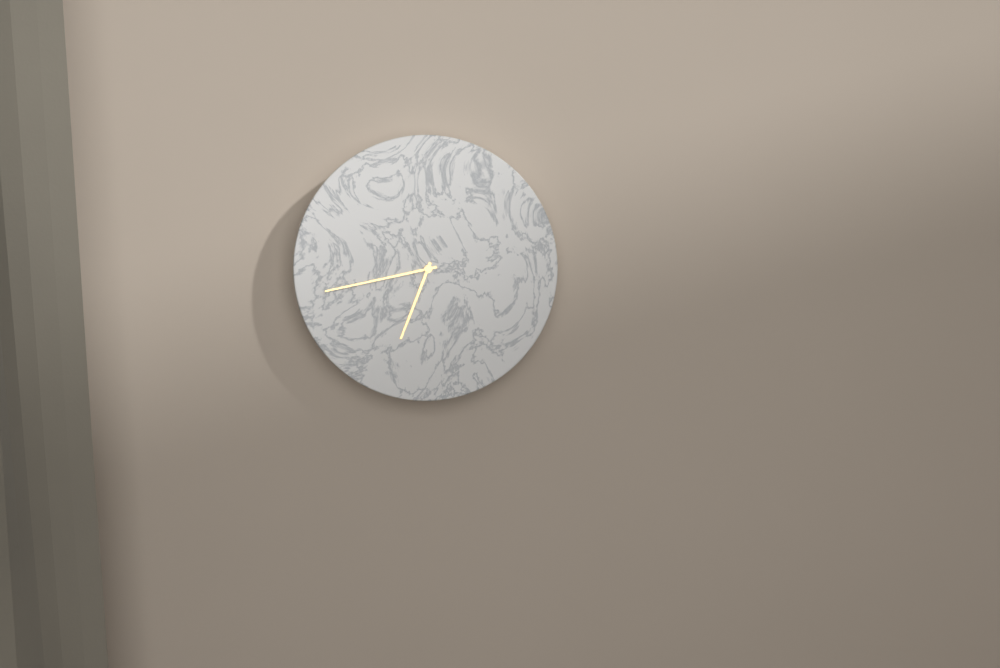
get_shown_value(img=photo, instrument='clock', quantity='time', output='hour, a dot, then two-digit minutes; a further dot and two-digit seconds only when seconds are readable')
6.43
